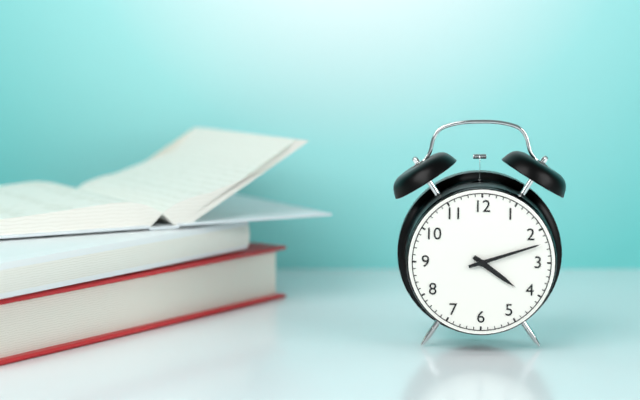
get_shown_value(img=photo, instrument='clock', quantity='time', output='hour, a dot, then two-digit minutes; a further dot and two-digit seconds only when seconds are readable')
4.12
